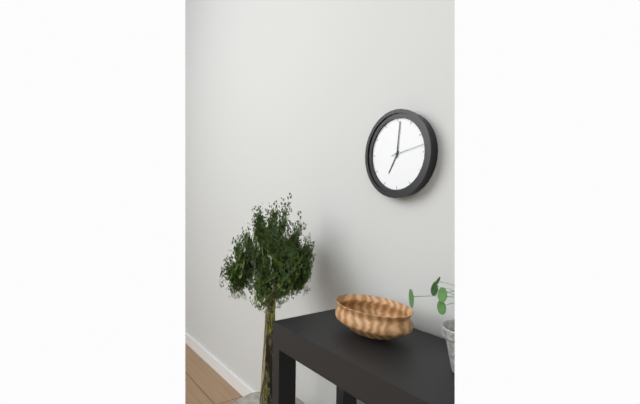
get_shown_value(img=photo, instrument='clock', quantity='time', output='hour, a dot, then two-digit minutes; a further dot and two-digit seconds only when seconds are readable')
7.01
